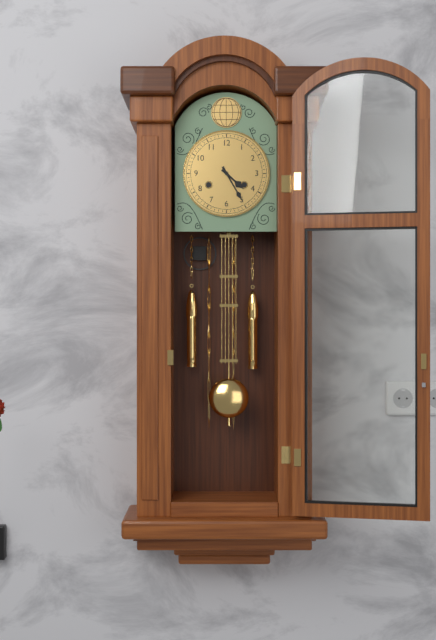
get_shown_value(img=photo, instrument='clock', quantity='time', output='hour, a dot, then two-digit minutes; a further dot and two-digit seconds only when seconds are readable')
4.25
